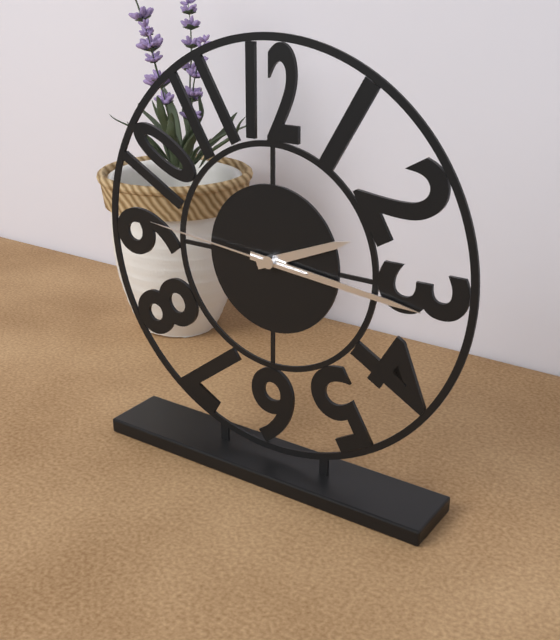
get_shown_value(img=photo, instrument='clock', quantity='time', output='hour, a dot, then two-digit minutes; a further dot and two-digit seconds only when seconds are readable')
2.16.46
